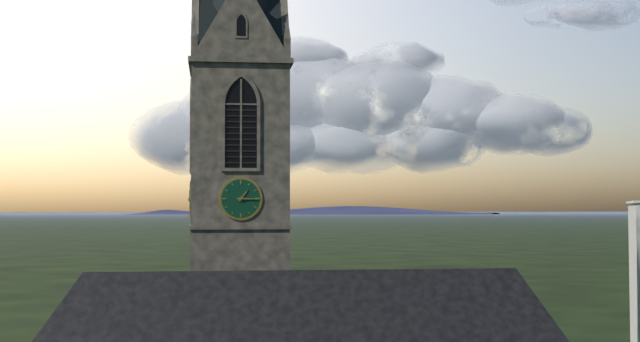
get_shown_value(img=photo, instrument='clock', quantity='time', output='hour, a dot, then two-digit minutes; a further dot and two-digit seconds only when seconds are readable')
1.15
